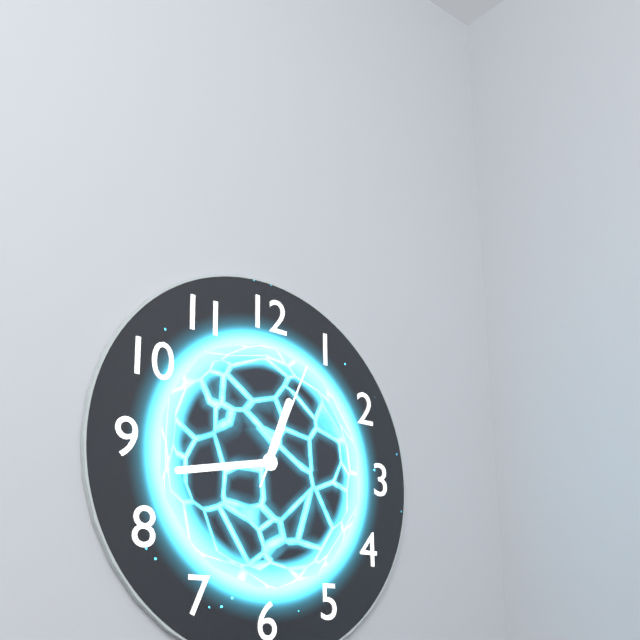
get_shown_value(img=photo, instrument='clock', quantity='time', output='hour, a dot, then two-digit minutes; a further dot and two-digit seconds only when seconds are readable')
12.43.04
